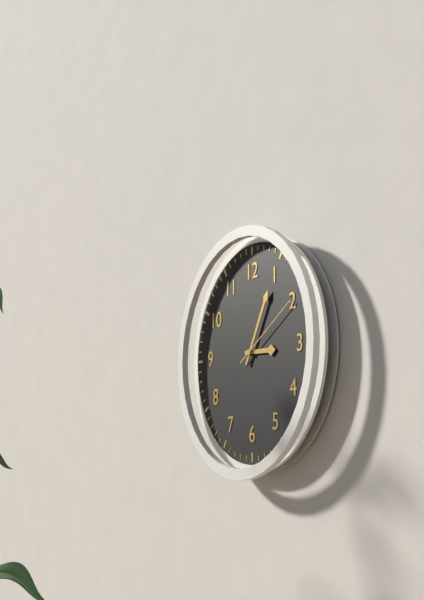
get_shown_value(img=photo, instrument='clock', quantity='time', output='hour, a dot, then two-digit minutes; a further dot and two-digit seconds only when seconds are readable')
3.05.10
